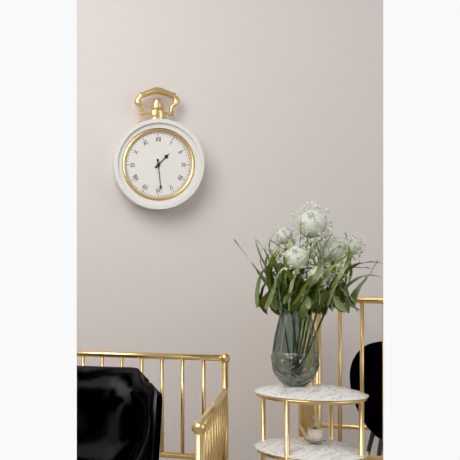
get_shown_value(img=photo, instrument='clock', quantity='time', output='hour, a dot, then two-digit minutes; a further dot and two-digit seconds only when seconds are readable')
1.29
